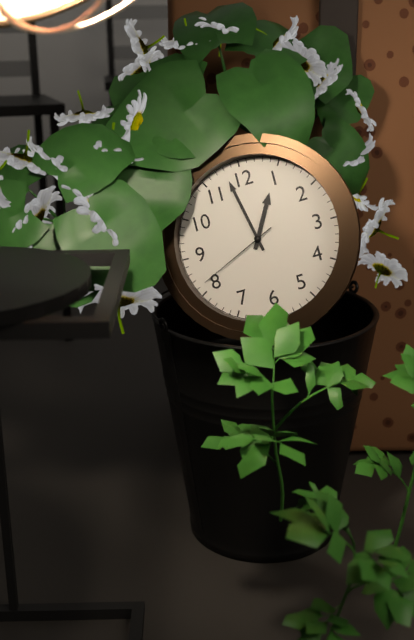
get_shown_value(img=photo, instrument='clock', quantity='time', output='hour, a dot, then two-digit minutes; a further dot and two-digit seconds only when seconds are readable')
12.58.41
